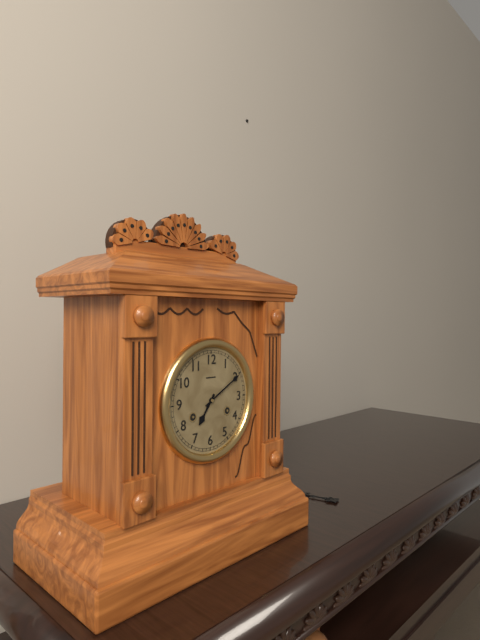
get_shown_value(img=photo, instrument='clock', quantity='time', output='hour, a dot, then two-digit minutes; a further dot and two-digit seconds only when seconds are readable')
7.10
